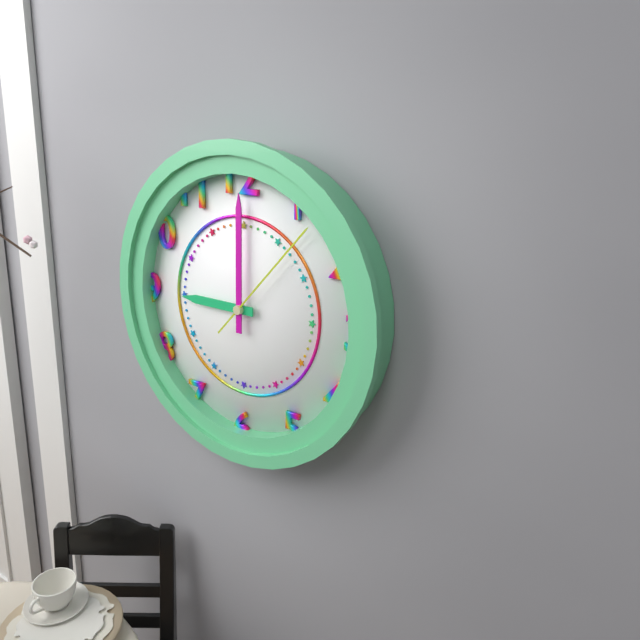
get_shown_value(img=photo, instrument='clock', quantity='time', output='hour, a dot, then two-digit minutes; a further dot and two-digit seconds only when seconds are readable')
9.00.07
